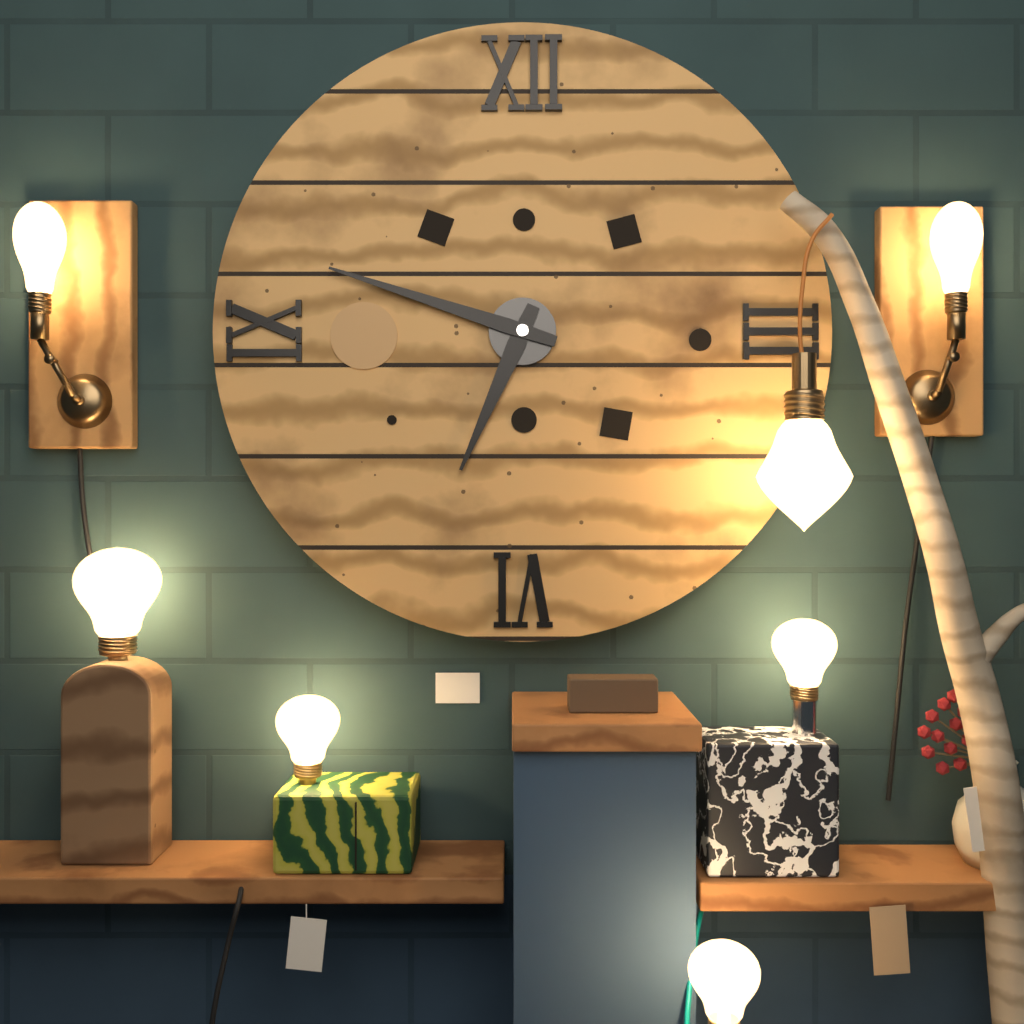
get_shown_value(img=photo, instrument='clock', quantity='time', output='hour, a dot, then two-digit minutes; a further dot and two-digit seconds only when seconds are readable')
6.48
